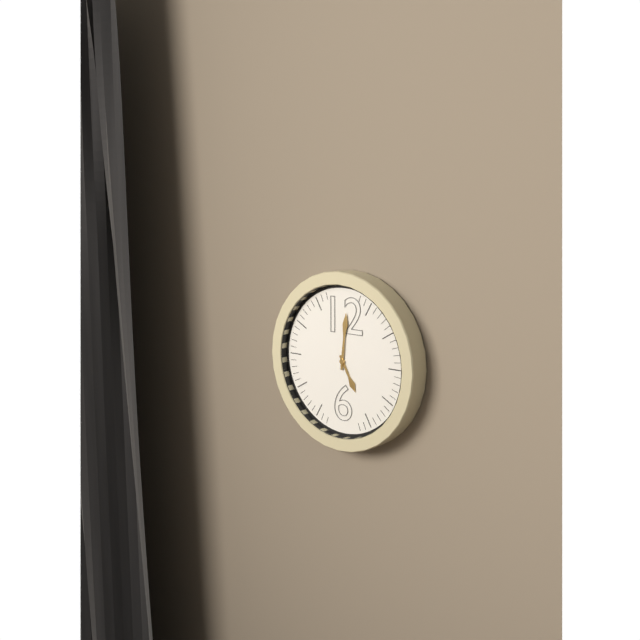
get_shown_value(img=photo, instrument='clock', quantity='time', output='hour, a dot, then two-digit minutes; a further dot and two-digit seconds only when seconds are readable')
5.01
